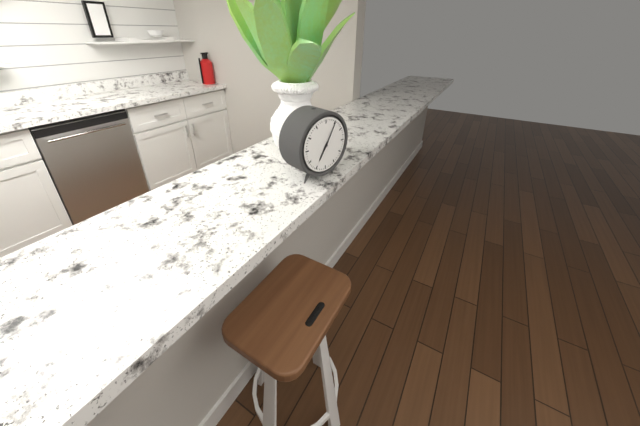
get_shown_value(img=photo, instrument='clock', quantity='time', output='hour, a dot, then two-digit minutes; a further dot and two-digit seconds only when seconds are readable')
7.05
